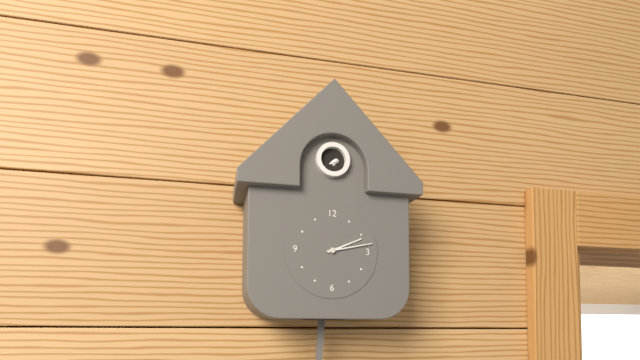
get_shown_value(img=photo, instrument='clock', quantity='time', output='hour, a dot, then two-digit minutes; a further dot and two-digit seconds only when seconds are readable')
2.13
